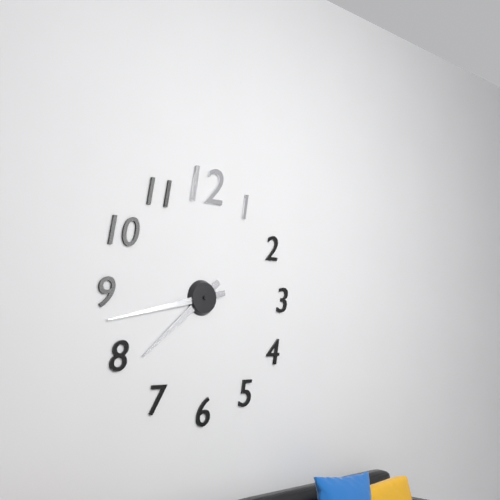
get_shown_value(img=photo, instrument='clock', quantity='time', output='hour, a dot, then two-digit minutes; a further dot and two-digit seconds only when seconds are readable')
7.43
